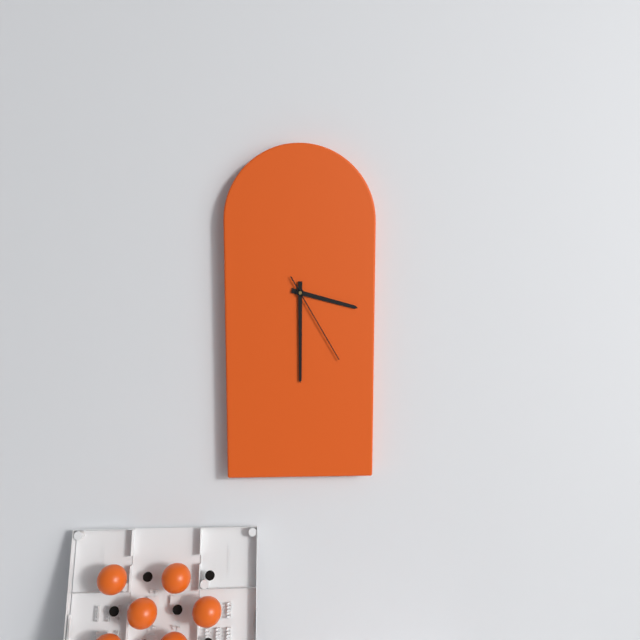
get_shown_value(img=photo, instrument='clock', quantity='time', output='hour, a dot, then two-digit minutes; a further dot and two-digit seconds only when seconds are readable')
3.30.25
